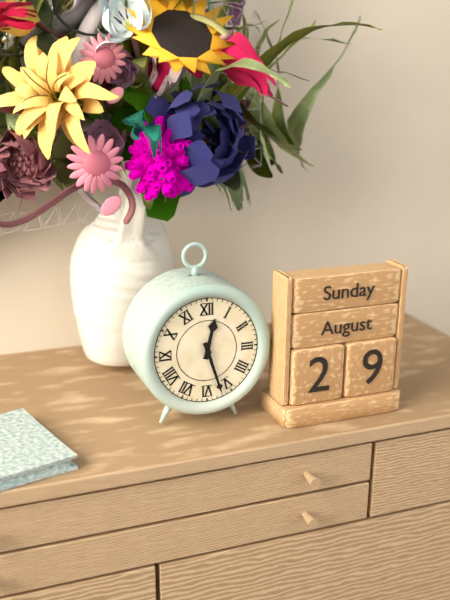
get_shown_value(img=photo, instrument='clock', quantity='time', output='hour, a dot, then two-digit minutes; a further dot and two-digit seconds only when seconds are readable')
12.27
